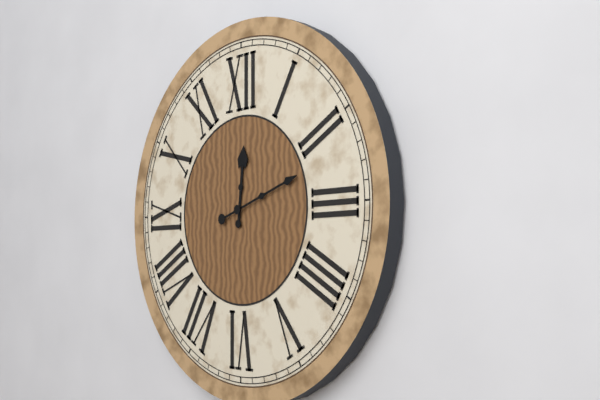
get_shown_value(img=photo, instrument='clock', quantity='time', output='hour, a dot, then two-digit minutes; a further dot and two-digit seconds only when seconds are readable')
12.12
